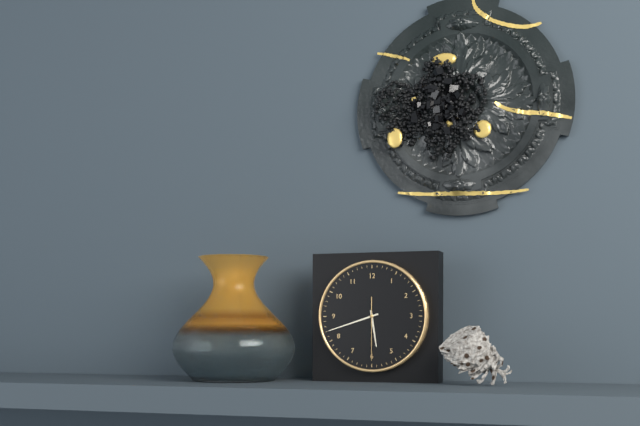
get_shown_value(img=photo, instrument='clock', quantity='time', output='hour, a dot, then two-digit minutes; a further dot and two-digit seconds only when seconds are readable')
5.42.30
